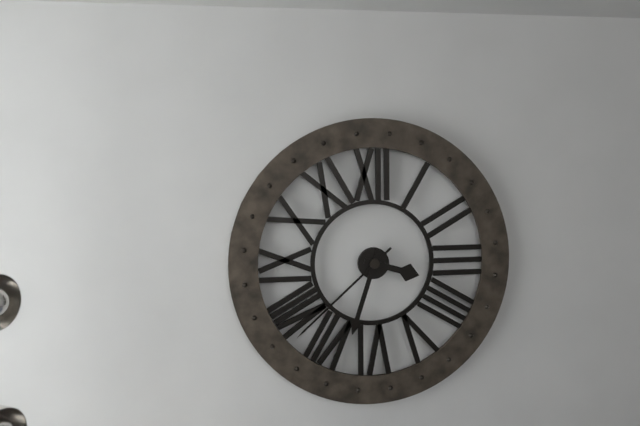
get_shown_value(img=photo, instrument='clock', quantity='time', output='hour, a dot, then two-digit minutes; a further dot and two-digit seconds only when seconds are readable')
3.33.38
